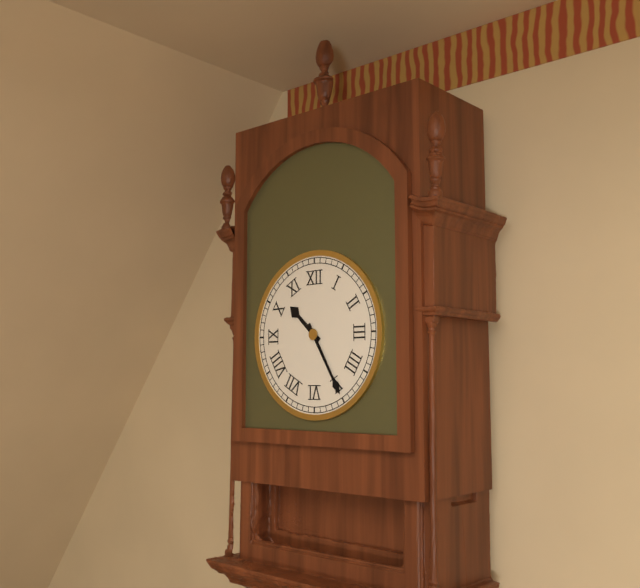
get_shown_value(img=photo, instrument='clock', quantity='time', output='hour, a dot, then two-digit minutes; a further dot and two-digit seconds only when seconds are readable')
10.25
